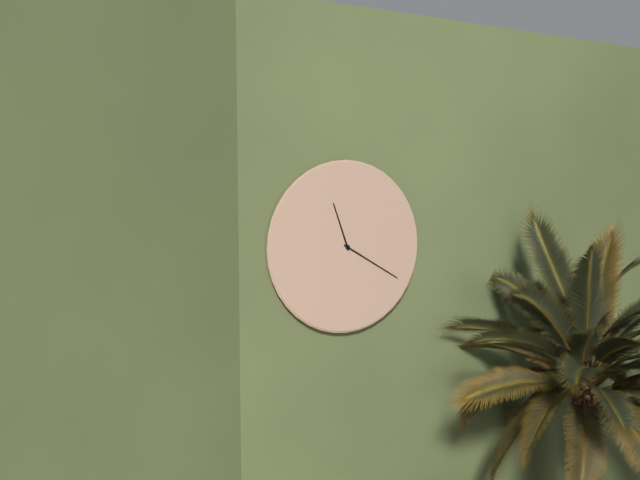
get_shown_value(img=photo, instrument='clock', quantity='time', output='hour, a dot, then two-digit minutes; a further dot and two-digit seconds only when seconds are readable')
11.20
